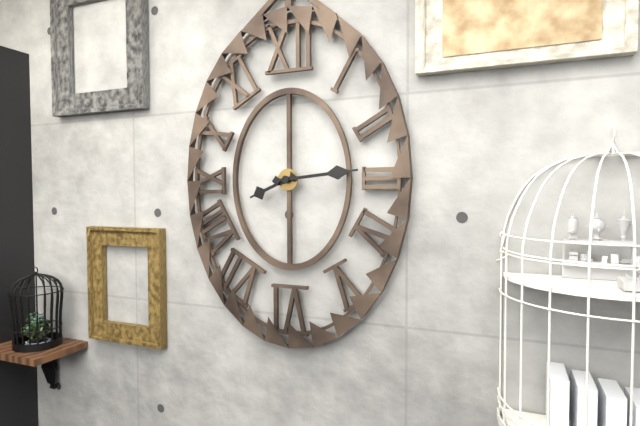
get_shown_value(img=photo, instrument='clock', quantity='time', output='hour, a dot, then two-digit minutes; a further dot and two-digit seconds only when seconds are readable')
8.14
